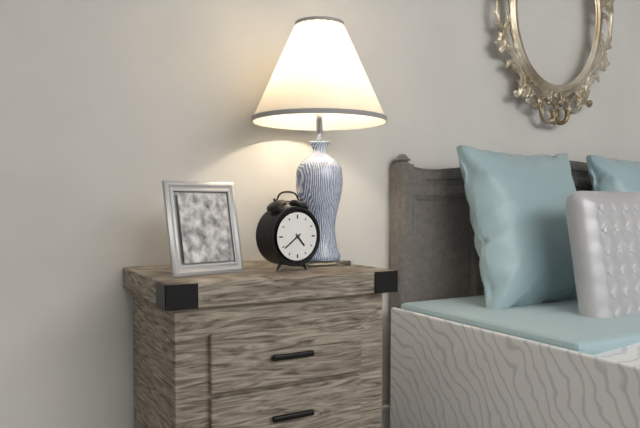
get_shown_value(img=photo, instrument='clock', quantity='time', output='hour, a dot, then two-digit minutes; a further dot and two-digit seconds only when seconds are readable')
4.39
